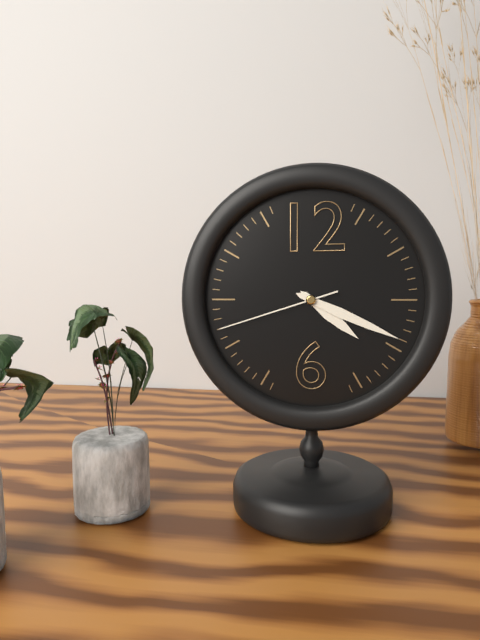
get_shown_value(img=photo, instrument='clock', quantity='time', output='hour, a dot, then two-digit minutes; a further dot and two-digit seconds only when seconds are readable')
4.19.42
